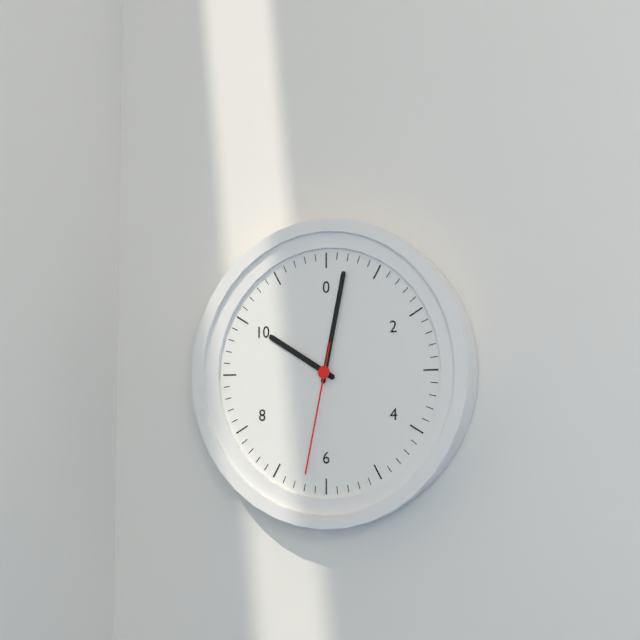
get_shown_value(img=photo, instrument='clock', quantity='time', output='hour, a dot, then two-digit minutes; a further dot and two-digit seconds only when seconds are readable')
10.02.32
